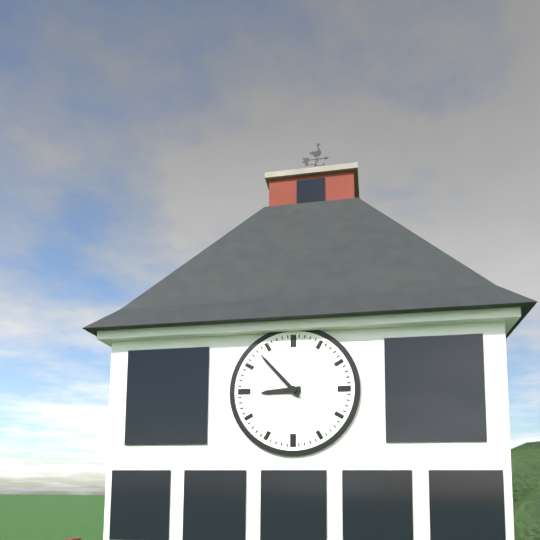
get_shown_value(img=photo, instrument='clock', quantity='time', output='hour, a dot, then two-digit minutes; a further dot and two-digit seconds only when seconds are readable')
8.53
